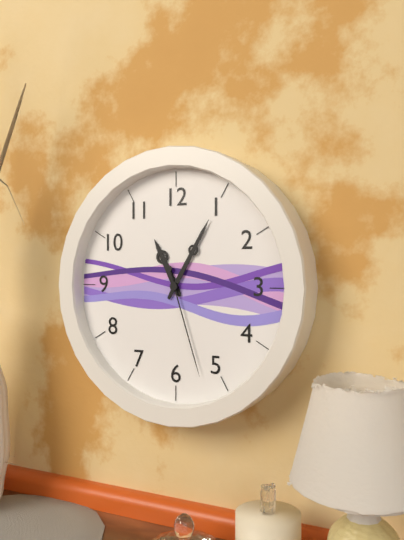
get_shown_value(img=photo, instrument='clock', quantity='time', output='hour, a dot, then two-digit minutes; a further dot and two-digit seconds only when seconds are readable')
11.05.27
